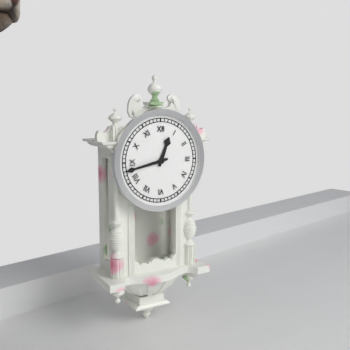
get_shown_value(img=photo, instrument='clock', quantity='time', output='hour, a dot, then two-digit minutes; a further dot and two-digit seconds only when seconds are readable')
12.43
